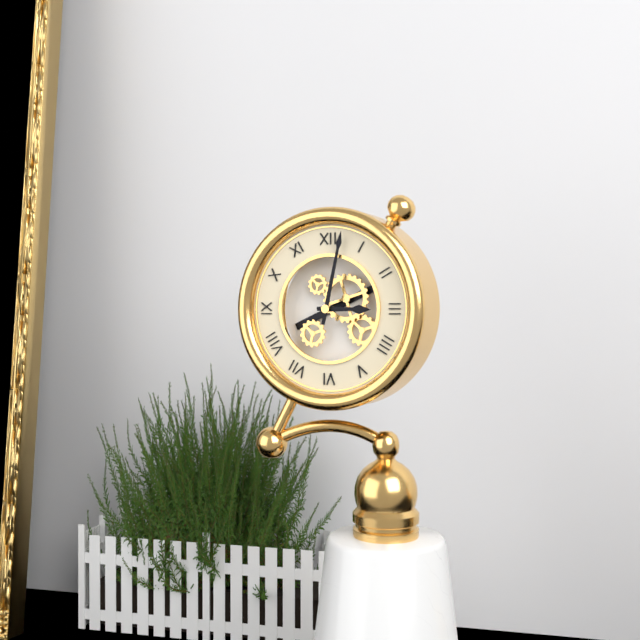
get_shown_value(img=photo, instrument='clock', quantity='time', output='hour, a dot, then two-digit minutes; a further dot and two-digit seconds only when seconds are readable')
3.02
